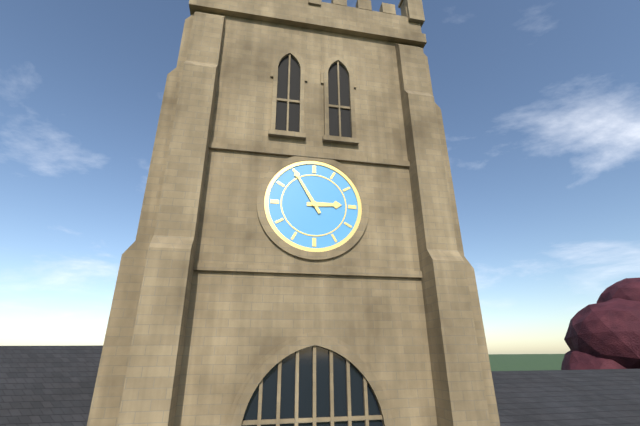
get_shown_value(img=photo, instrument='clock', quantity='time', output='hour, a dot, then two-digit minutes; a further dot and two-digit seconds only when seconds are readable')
2.55
